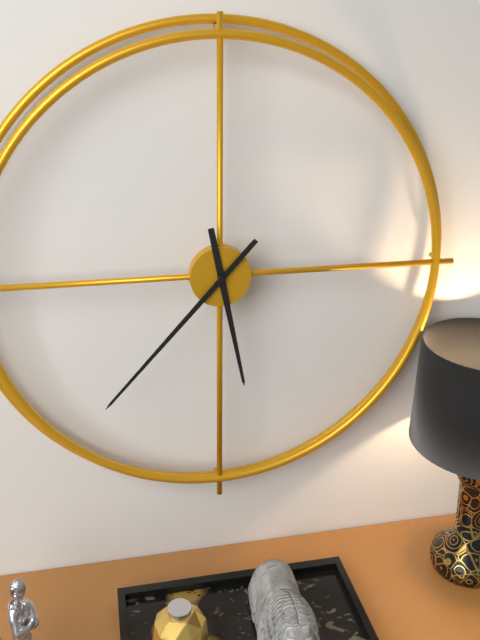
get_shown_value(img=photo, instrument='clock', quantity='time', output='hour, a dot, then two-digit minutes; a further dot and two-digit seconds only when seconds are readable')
5.37
